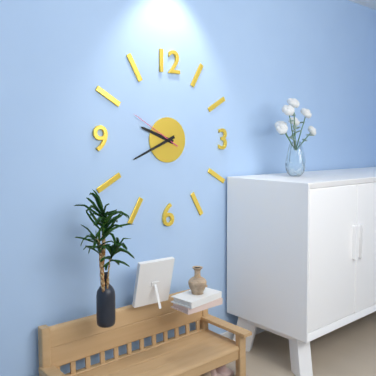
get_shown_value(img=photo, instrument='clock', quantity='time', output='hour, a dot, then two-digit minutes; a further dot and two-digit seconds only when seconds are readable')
9.41.50
